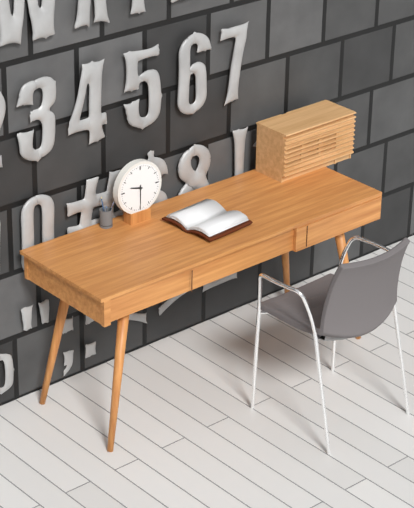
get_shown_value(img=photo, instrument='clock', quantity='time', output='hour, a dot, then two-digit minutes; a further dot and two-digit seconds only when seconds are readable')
9.30
